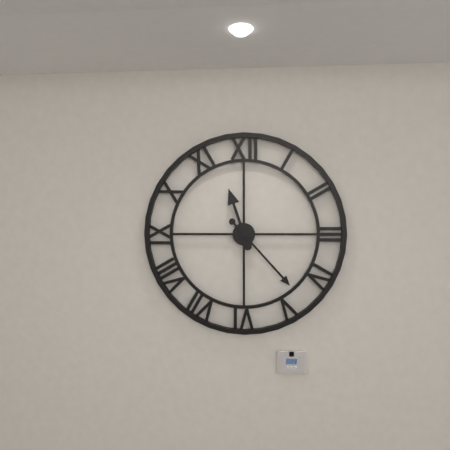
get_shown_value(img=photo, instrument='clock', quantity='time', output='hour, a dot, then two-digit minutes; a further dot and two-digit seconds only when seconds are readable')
11.23
